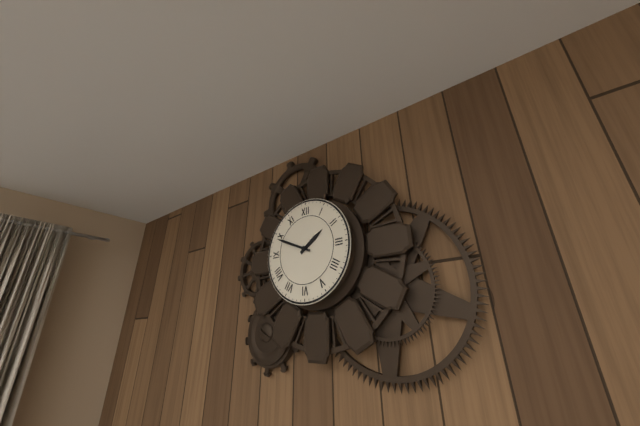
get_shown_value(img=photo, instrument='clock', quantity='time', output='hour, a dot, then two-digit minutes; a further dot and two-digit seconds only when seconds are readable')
1.49
